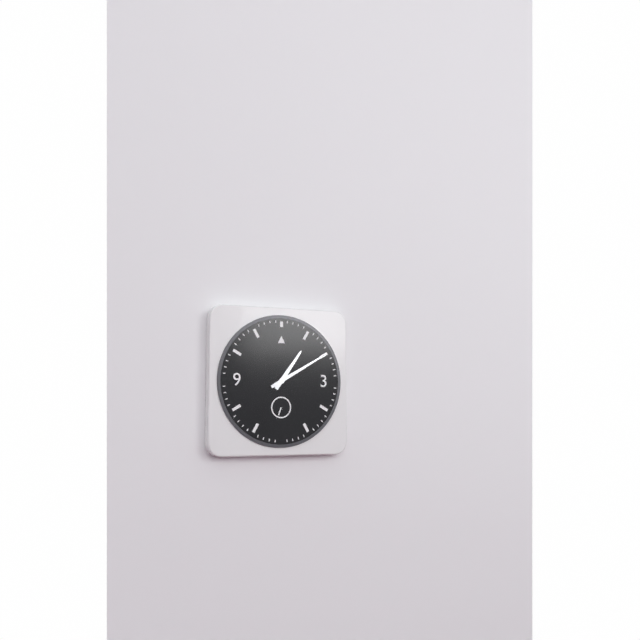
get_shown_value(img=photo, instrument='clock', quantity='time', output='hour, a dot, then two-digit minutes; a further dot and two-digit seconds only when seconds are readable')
1.10
